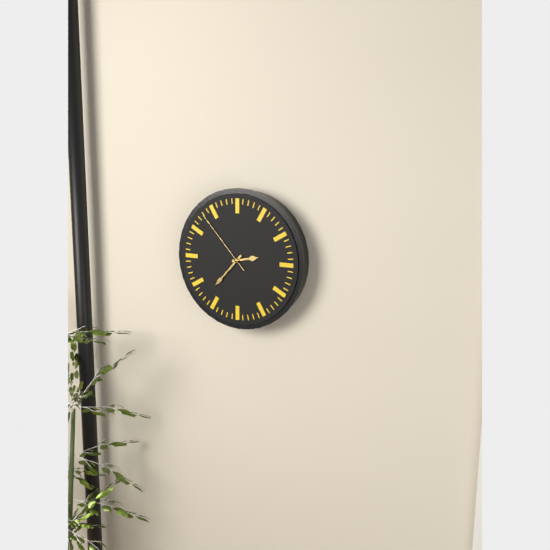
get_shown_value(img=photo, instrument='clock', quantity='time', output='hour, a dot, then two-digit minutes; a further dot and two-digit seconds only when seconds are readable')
2.37.53
